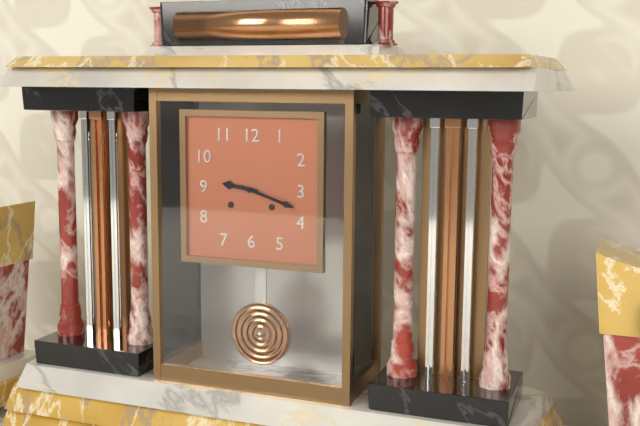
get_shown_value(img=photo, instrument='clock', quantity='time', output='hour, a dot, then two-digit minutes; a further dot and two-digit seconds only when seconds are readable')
9.18
